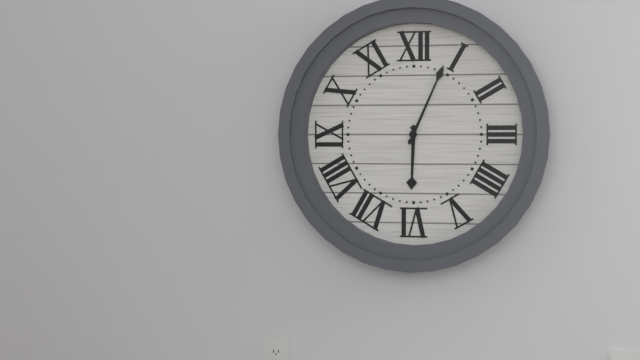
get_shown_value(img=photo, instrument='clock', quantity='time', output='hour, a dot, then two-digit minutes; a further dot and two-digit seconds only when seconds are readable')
6.04
